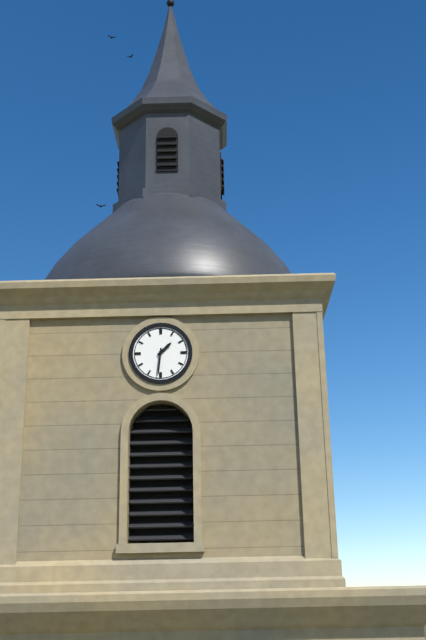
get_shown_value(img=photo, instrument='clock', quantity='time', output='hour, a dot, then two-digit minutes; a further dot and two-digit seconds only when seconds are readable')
1.31
